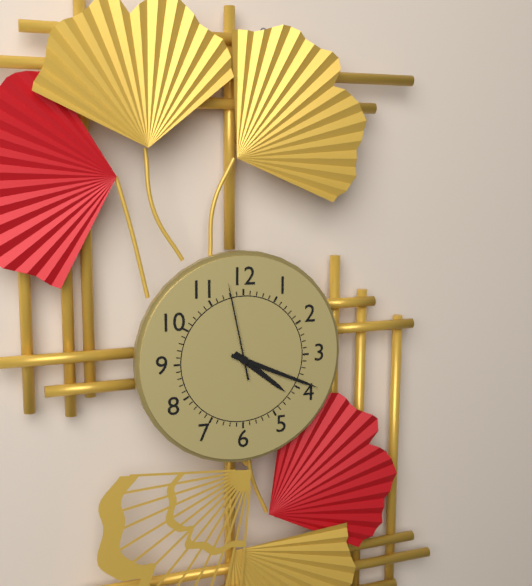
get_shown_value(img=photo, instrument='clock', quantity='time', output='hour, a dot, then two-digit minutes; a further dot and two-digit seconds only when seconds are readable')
4.19.58
